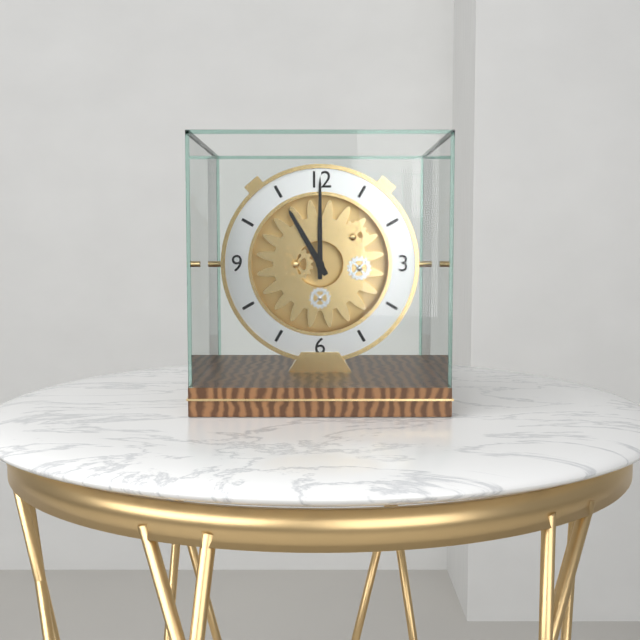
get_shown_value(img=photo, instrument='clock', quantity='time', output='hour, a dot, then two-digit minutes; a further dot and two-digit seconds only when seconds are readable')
11.00
